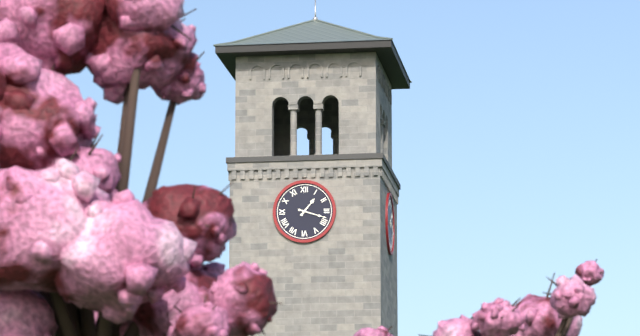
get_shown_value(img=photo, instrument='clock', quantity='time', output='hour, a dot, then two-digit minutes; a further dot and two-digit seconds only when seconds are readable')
1.18
